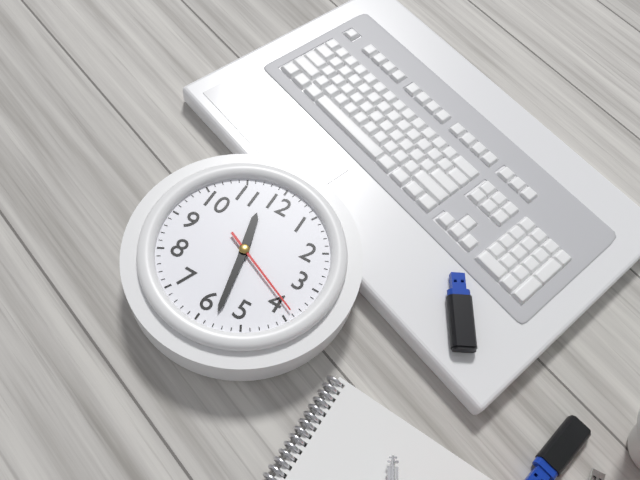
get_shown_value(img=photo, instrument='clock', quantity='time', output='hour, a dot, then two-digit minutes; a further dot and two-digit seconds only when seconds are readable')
11.28.19
